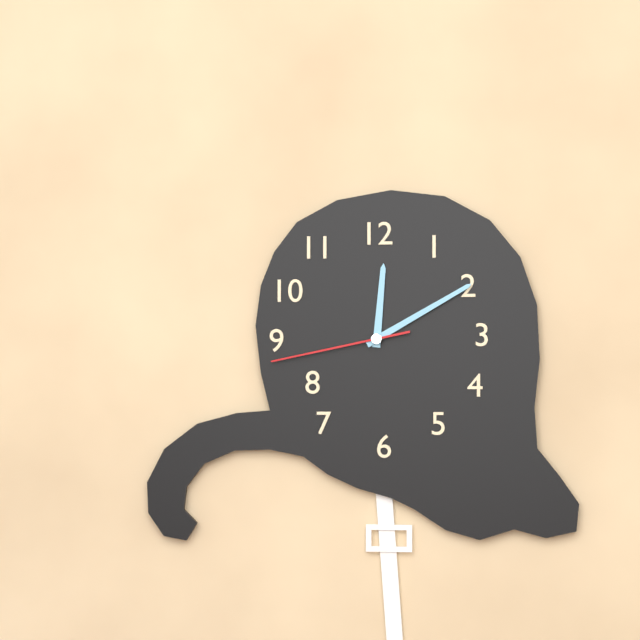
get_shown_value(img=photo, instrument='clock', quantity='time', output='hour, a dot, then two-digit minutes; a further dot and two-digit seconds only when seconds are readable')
12.10.43
